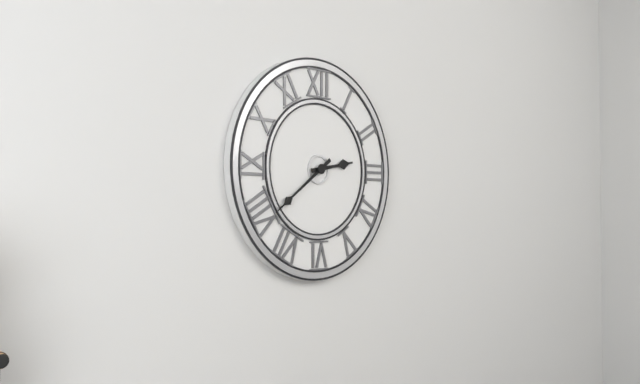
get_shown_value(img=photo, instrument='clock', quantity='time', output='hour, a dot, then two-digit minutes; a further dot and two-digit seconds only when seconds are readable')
2.39
